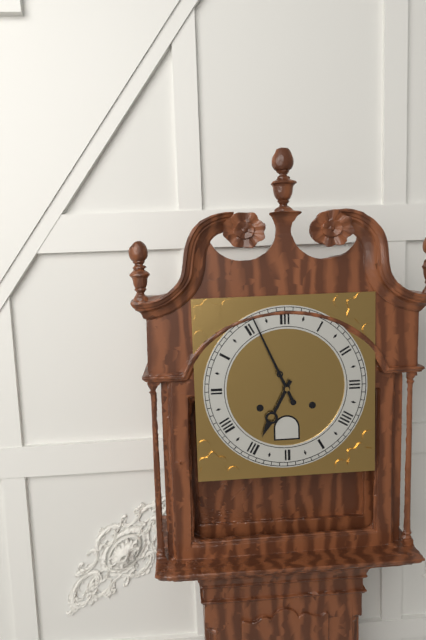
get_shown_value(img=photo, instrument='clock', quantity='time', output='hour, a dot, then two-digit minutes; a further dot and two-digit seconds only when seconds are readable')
6.56
